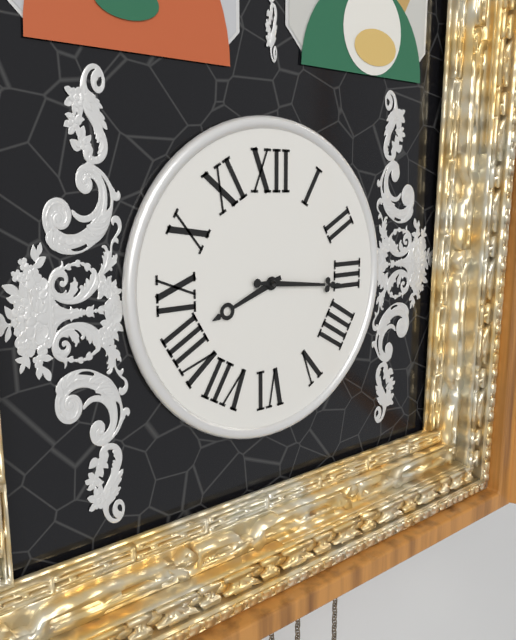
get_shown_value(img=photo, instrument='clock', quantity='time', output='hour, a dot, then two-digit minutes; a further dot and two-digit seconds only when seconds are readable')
8.16
